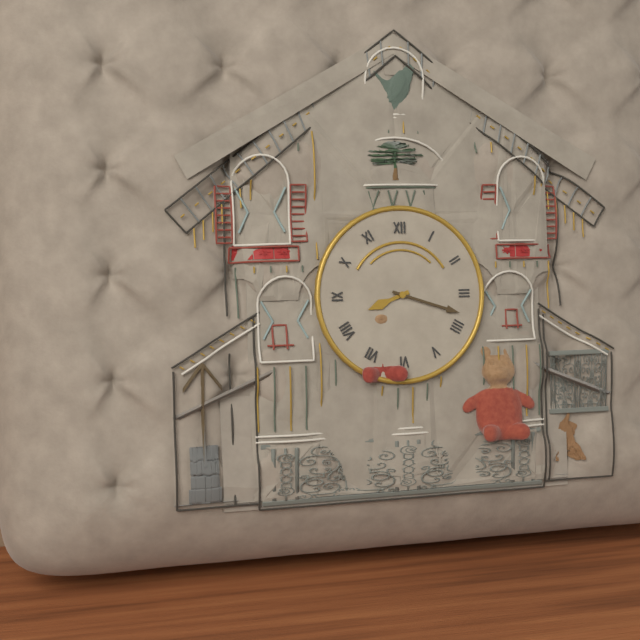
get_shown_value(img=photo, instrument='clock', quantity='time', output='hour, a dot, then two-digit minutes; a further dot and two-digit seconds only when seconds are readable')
8.18
